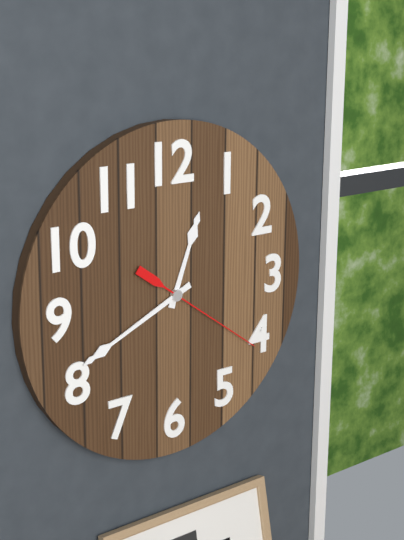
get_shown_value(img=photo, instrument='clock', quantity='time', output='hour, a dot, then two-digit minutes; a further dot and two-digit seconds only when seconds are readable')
12.41.21
